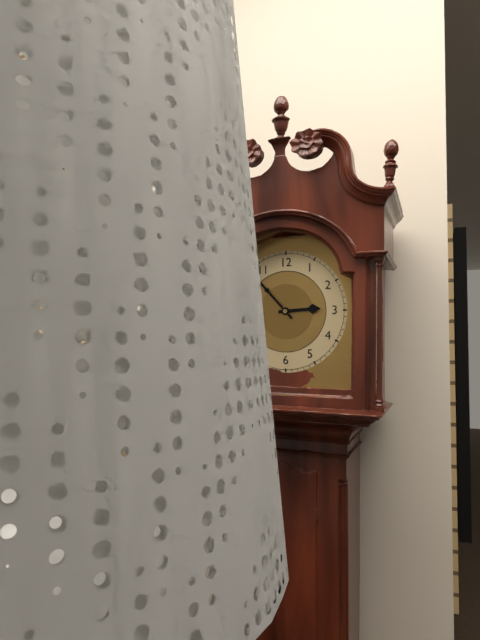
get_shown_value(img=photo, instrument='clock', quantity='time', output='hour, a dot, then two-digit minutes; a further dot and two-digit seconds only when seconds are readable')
2.53
